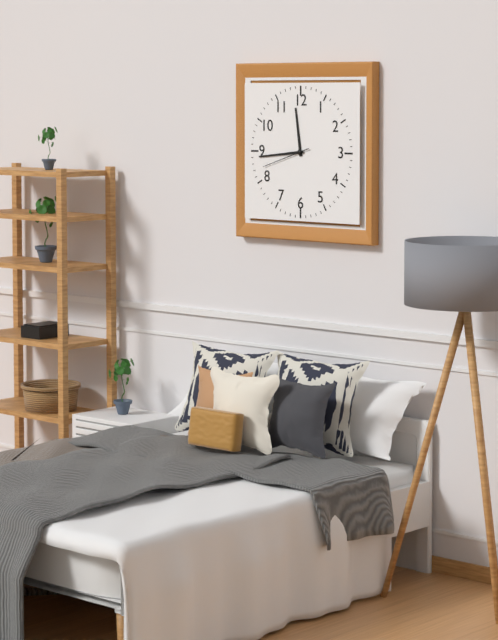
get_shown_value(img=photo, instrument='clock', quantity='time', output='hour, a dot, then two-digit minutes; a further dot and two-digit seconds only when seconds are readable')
11.44.42
